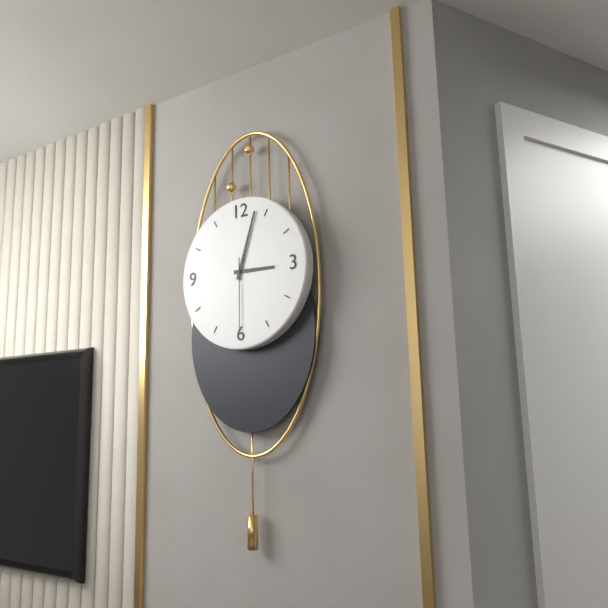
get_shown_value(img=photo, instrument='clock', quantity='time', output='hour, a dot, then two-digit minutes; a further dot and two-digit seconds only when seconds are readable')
3.03.30
